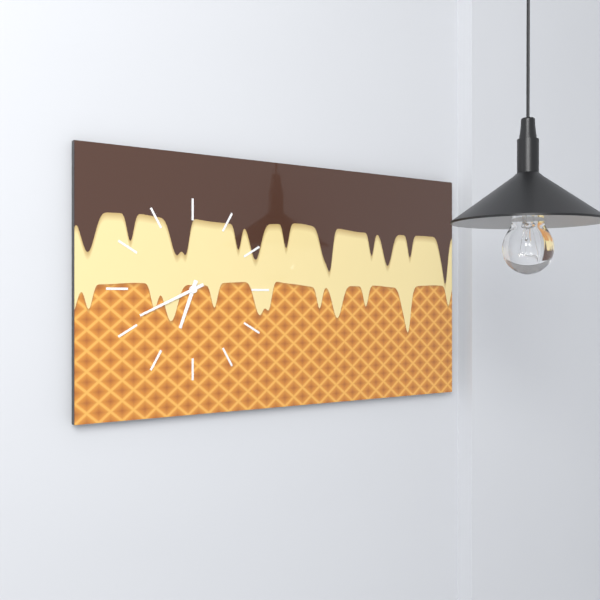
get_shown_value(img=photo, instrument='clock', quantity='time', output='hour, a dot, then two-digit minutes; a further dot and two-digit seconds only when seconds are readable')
6.41
